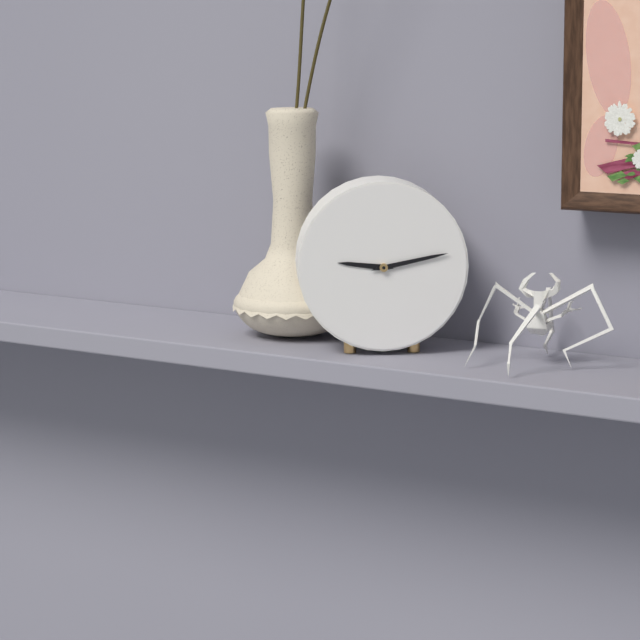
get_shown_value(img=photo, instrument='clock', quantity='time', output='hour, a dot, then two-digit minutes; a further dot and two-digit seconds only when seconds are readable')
9.13
